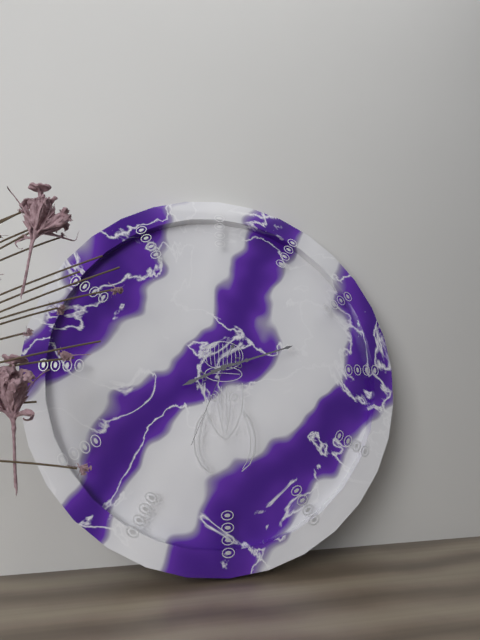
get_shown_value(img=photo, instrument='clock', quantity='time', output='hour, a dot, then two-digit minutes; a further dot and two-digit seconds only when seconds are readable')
8.12.34
